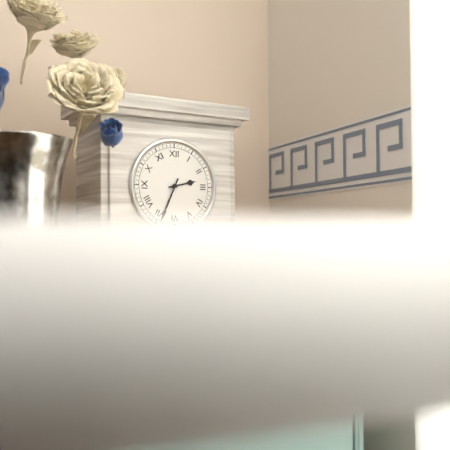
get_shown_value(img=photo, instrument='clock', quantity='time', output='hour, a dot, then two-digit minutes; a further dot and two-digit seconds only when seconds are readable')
2.34
